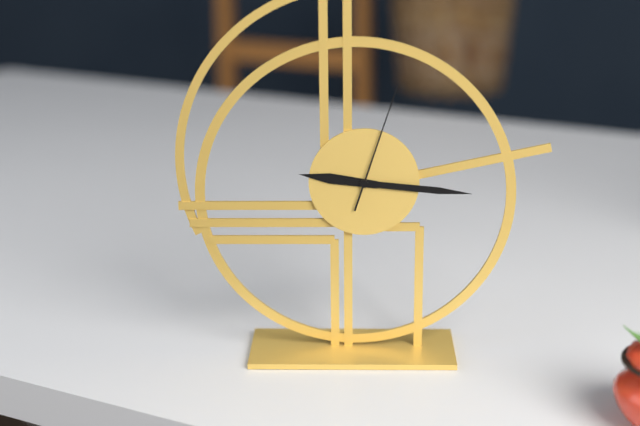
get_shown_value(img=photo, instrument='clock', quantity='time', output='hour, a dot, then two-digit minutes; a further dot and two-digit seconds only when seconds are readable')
9.16.03
